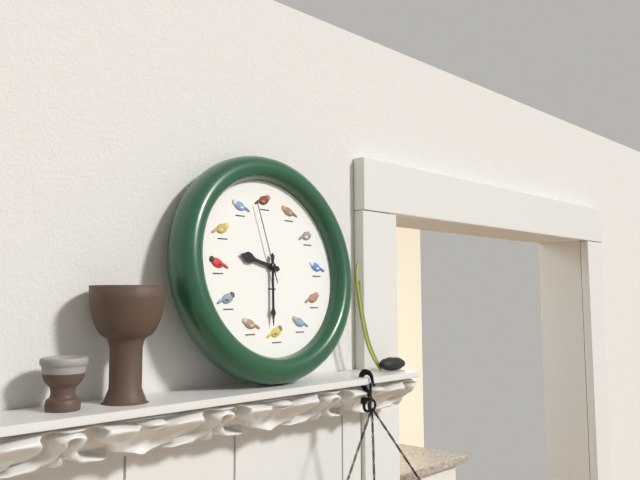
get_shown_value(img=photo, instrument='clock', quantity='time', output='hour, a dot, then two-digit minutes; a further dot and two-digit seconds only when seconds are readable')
9.31.58
